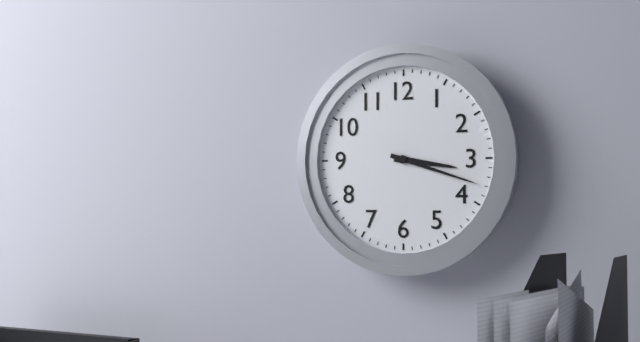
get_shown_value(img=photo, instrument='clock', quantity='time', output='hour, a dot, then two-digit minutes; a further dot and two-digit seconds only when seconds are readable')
3.18
